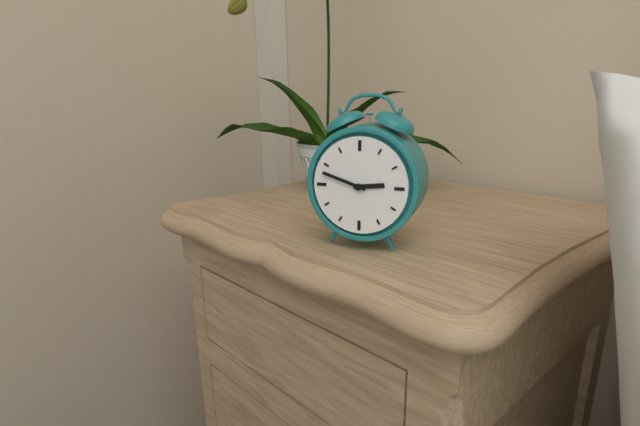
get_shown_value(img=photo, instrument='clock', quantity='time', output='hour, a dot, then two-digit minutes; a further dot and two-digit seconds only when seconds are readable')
2.48
